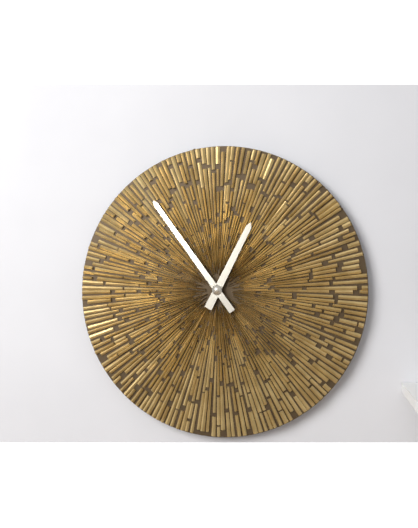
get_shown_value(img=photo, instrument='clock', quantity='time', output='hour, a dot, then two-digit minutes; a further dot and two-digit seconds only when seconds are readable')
12.54
